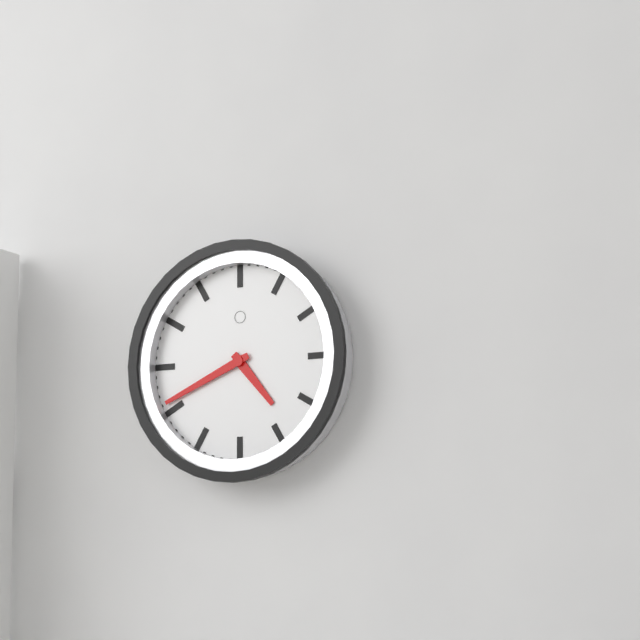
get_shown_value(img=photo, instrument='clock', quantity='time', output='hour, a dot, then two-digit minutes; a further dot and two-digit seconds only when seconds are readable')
4.41
